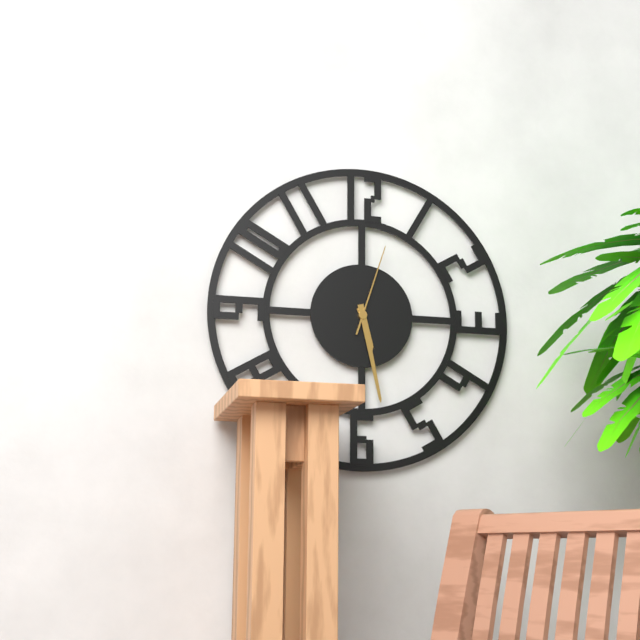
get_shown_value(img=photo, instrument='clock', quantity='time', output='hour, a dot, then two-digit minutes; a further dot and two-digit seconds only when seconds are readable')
5.28.03
